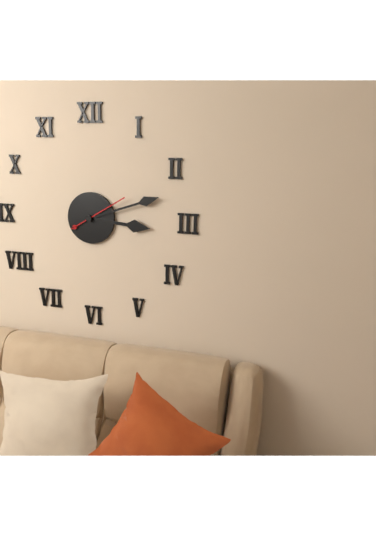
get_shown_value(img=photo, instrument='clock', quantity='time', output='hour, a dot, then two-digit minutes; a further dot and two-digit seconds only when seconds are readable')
3.12.10
